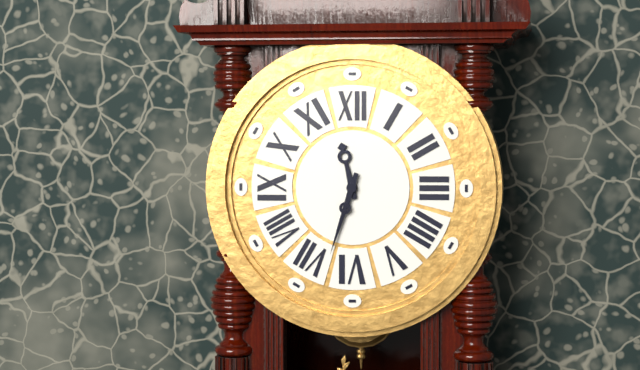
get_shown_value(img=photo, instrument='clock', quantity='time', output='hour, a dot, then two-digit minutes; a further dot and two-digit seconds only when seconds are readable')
11.33
